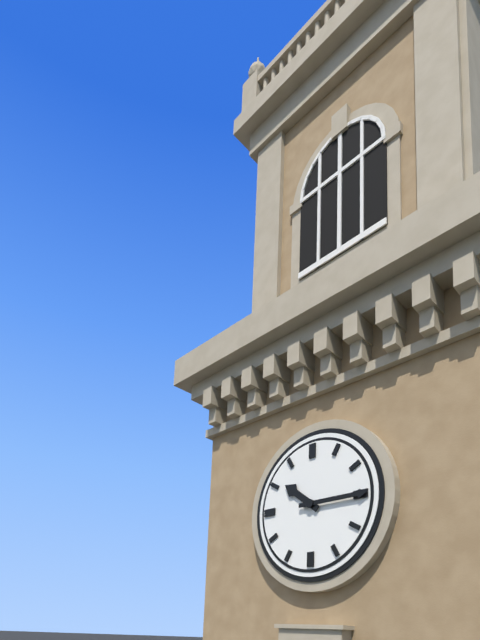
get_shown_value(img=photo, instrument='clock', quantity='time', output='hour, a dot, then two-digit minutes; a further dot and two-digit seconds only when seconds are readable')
10.15
